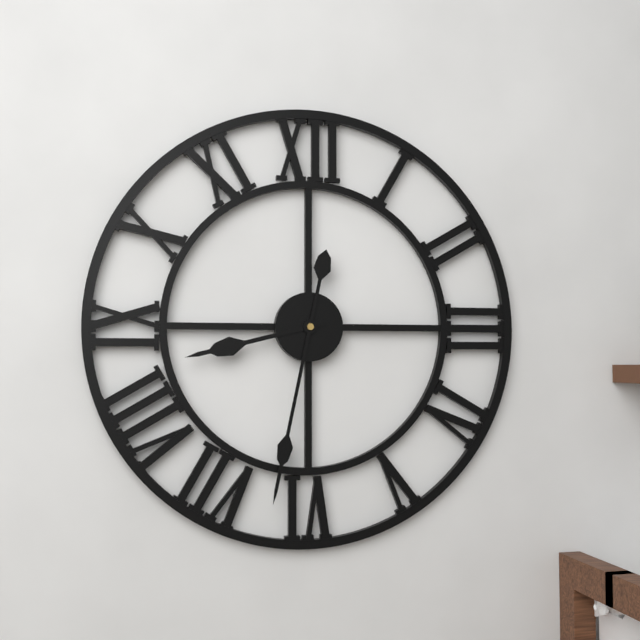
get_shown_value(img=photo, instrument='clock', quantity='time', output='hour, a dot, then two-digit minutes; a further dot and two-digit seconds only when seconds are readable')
8.32
